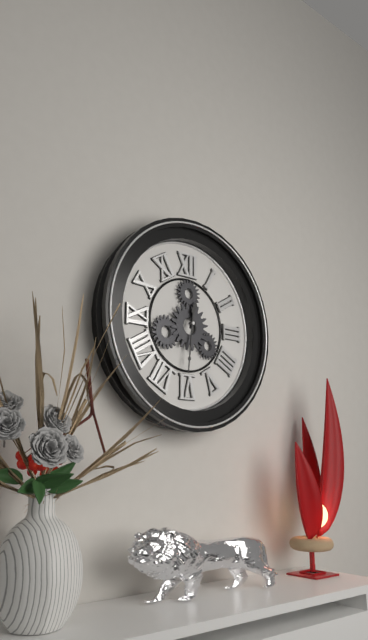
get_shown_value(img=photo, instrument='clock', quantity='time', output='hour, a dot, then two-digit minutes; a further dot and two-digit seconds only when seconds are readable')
12.31
